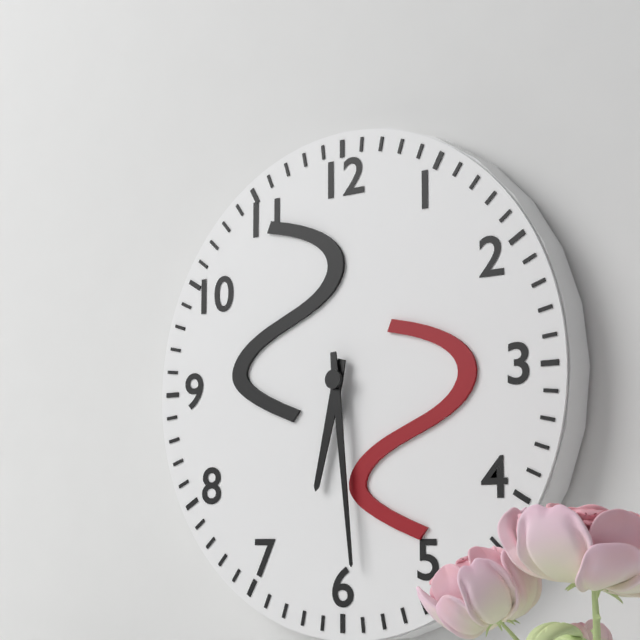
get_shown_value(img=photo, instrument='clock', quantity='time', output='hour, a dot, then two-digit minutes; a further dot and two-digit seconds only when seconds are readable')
6.29
